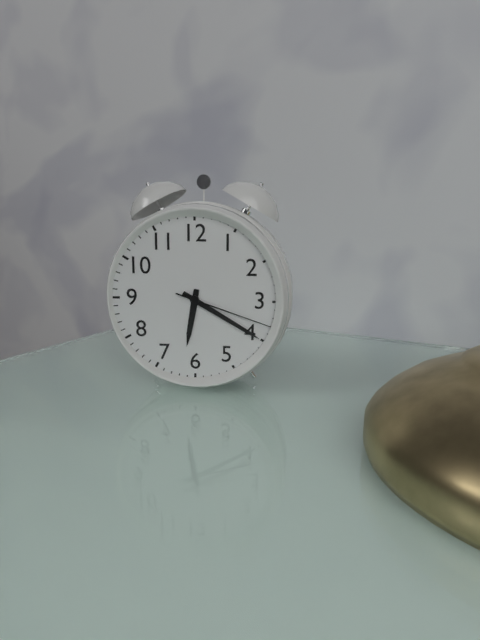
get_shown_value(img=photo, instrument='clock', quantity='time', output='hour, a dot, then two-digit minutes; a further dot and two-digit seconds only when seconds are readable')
6.20.18
